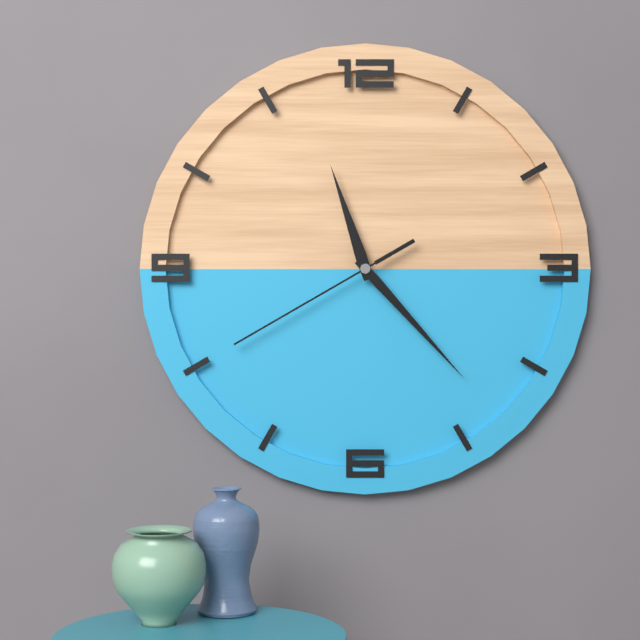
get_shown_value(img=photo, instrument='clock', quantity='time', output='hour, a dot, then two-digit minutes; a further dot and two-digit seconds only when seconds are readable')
11.23.40
